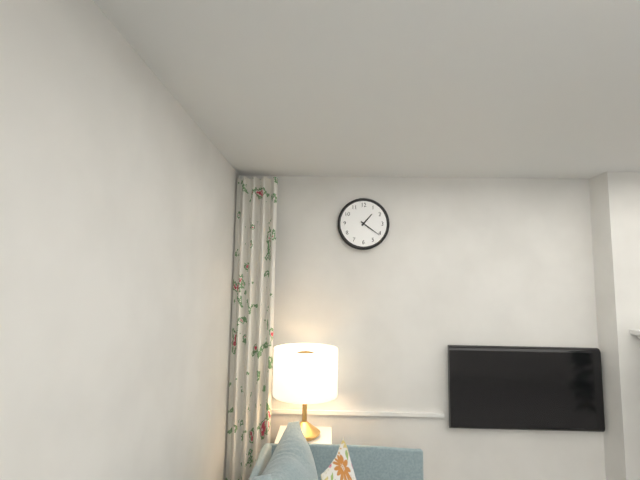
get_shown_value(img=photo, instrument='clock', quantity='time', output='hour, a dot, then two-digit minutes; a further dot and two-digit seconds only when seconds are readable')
1.21
